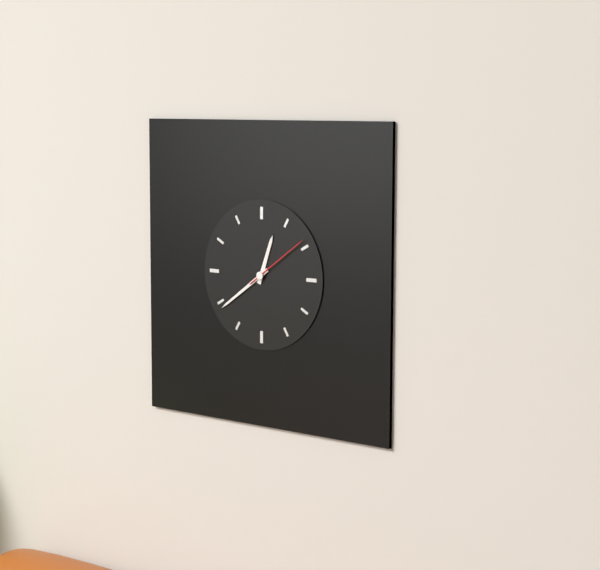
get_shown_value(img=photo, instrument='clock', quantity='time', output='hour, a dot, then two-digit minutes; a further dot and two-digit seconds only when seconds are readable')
12.39.09
